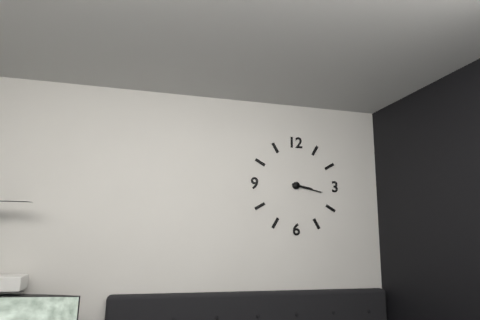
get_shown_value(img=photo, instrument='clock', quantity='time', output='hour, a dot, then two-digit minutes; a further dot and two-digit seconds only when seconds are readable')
3.17
